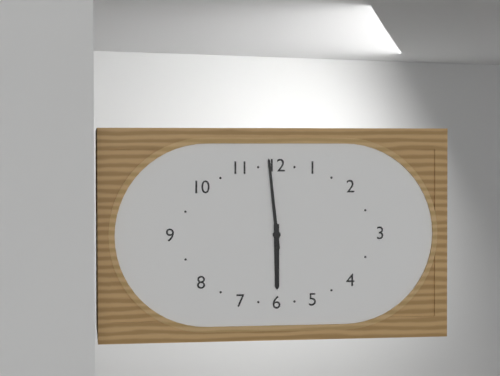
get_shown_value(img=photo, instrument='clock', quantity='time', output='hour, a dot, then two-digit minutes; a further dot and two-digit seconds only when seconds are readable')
5.59
